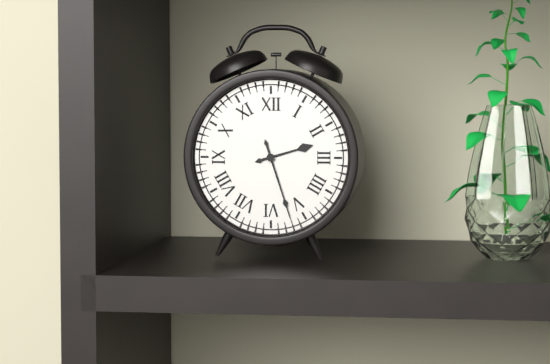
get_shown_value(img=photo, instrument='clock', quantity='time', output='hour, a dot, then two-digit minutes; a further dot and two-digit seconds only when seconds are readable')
2.27
